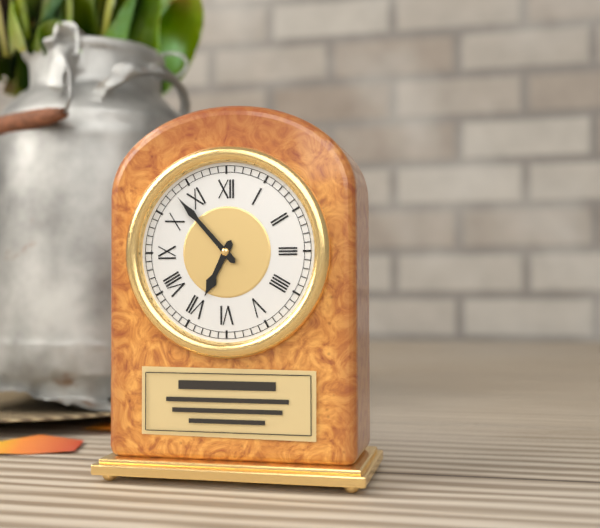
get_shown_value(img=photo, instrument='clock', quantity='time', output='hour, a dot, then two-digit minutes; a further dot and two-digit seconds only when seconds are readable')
6.53
